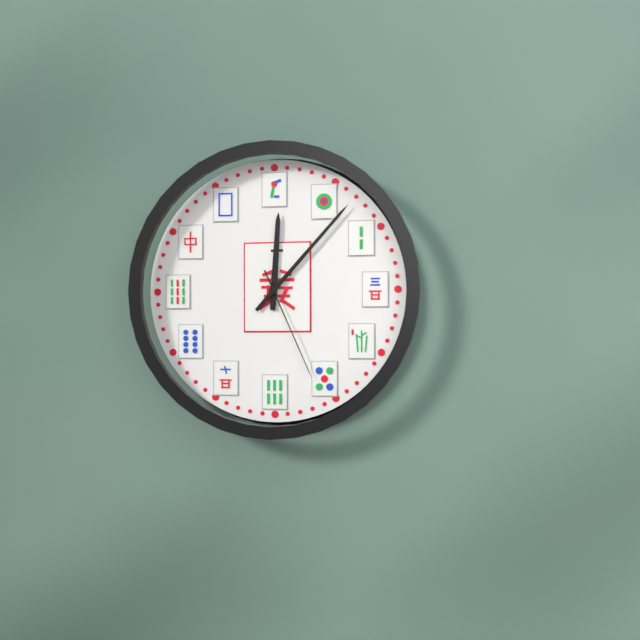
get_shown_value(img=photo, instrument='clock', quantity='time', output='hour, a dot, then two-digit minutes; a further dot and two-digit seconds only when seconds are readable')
12.07.26
